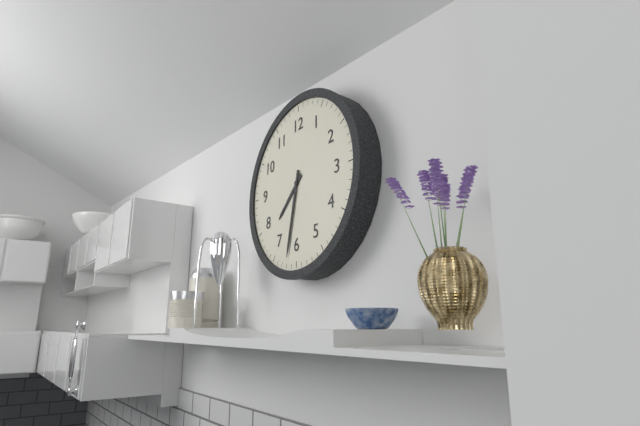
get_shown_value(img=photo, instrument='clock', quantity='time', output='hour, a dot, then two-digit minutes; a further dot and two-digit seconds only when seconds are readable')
7.32
